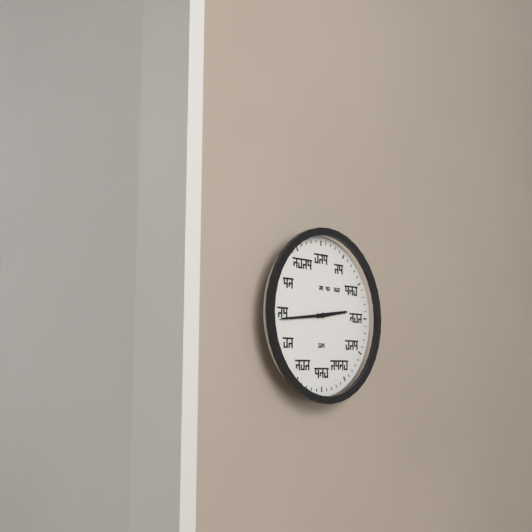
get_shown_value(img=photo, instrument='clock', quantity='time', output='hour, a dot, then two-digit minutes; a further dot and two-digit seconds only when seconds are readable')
2.44
